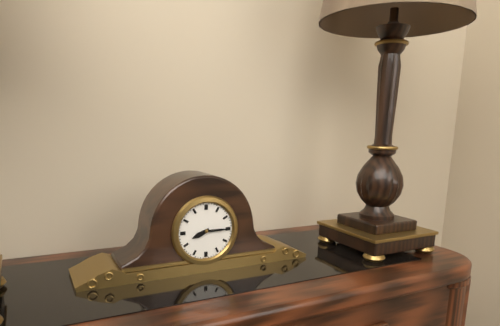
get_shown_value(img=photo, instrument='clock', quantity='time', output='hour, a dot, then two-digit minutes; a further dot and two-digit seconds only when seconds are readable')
8.15
